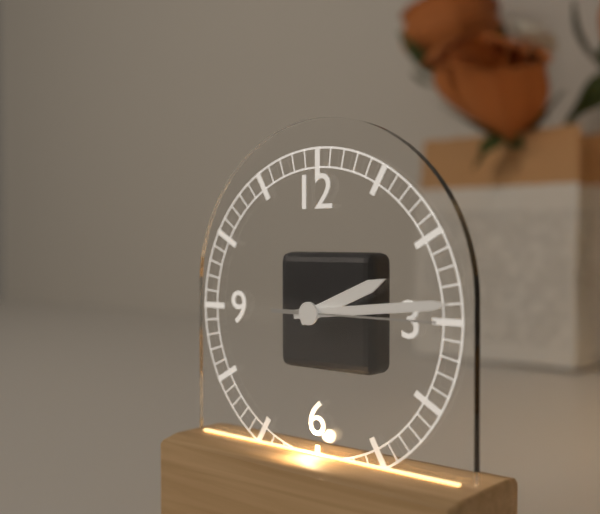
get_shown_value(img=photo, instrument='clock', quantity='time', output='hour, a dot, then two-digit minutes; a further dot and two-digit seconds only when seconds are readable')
2.14.15
